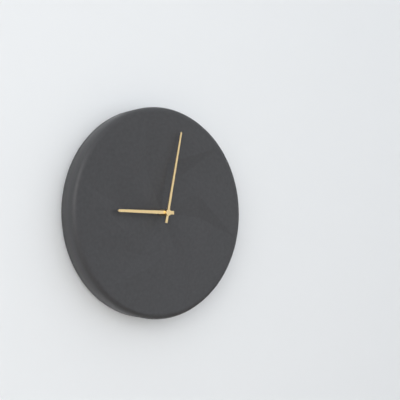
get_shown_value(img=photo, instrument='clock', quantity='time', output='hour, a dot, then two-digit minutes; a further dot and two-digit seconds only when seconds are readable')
9.02
